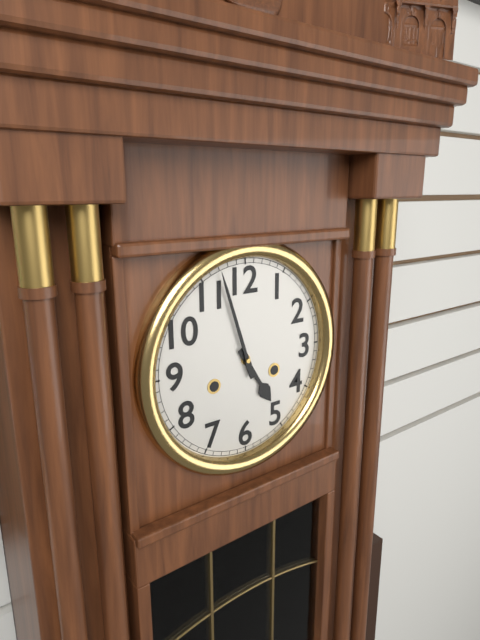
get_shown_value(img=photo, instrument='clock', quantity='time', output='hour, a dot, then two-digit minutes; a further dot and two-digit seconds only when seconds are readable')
4.57
